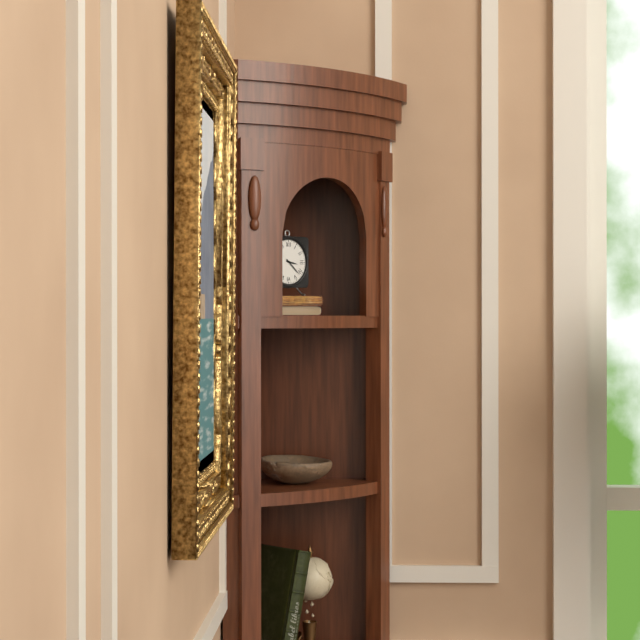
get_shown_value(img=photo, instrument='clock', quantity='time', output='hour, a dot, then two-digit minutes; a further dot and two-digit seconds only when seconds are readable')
3.22
